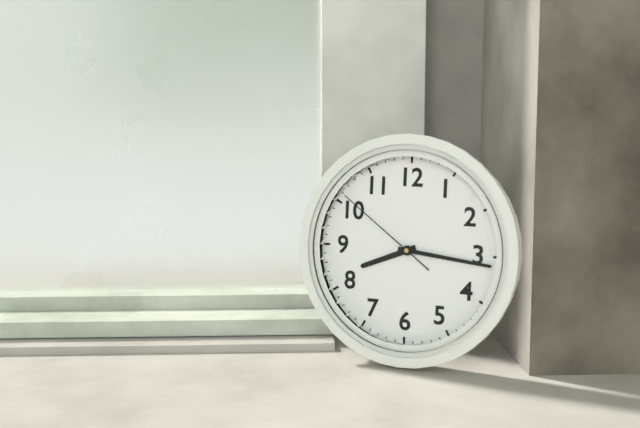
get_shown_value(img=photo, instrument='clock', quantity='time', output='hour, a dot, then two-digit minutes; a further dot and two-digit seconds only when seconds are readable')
8.16.51
